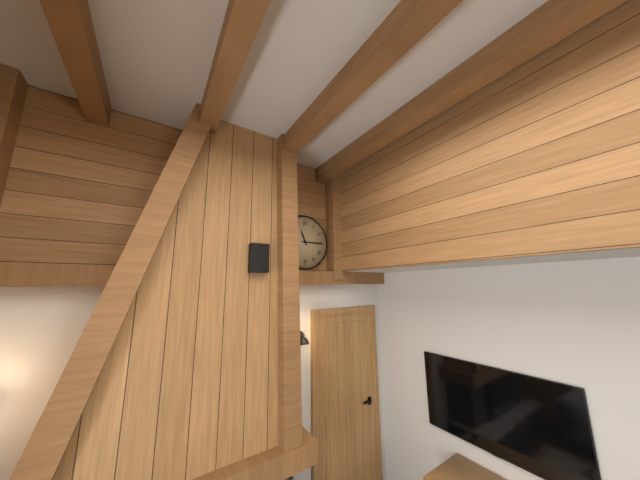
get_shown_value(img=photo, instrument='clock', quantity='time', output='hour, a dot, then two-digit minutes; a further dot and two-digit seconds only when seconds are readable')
11.15
